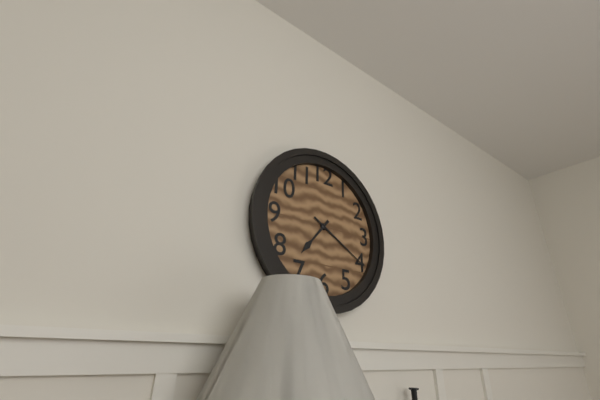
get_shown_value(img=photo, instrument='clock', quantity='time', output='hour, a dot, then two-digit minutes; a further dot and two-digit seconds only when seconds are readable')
7.20
